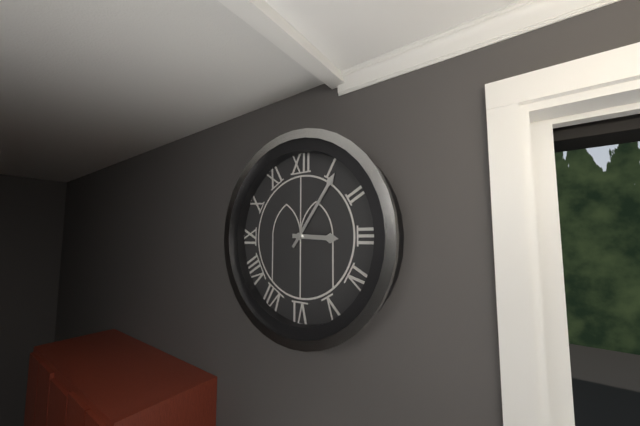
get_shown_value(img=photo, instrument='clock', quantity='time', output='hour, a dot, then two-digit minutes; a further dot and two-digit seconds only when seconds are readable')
3.06
